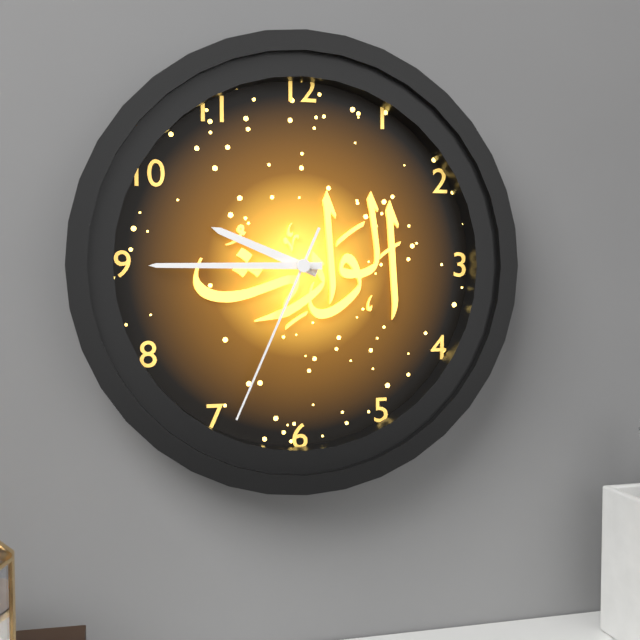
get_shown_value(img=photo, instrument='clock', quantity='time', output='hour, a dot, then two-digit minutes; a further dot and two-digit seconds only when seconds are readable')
9.45.34
